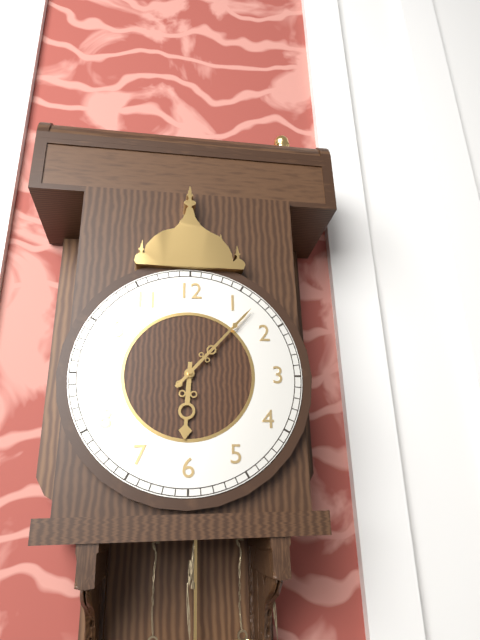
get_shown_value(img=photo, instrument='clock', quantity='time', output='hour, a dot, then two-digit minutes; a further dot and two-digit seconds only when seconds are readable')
6.07
